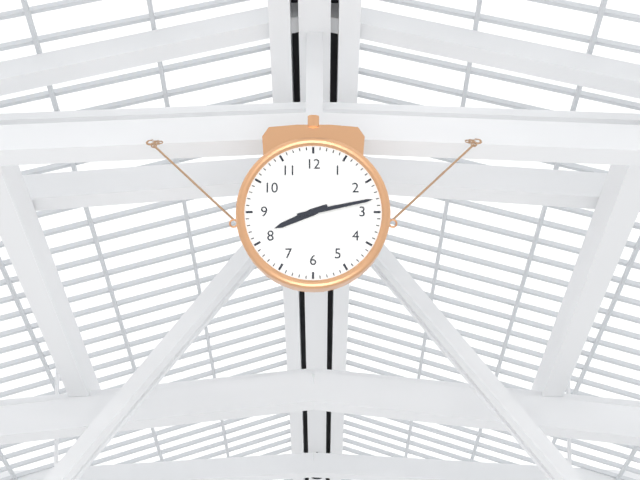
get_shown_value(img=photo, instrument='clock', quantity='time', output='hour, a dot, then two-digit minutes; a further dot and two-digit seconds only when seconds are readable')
8.13
